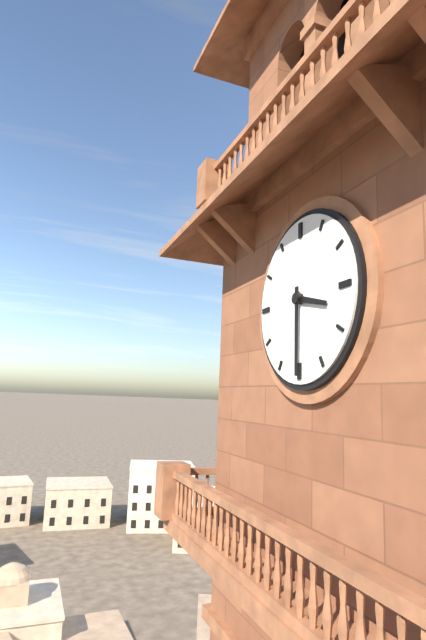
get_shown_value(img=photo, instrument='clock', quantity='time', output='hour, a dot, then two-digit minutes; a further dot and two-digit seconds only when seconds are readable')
3.30
